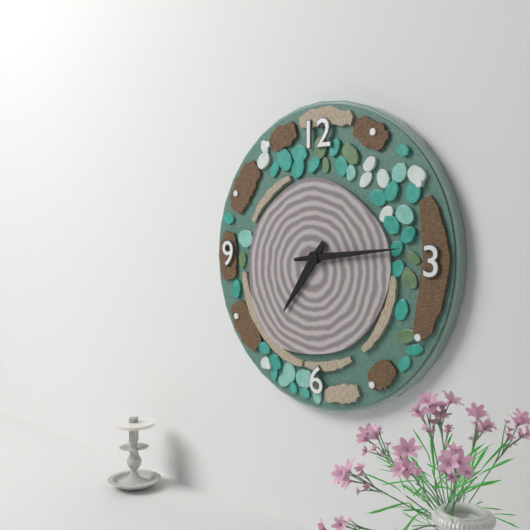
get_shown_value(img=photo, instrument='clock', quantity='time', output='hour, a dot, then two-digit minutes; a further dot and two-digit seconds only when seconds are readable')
7.14
